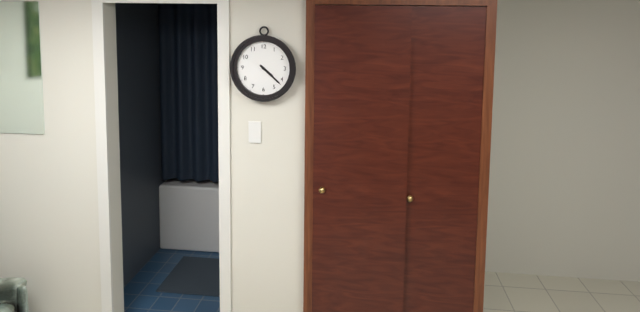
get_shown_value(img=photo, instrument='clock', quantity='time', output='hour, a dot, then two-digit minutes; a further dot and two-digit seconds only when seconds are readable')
4.22
